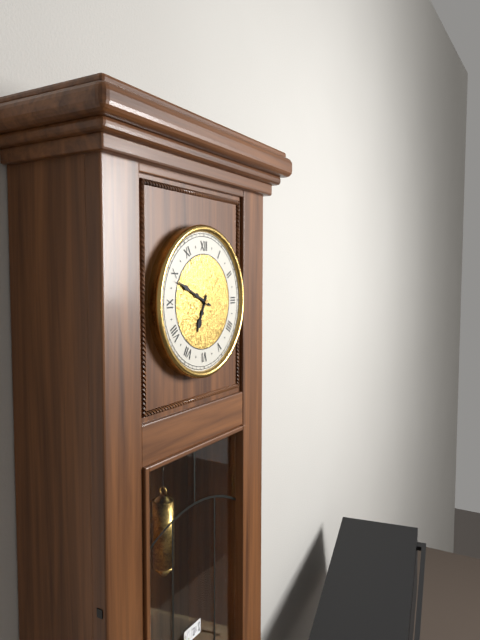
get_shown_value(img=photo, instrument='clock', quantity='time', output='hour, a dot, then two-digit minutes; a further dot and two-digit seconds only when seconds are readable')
6.49
